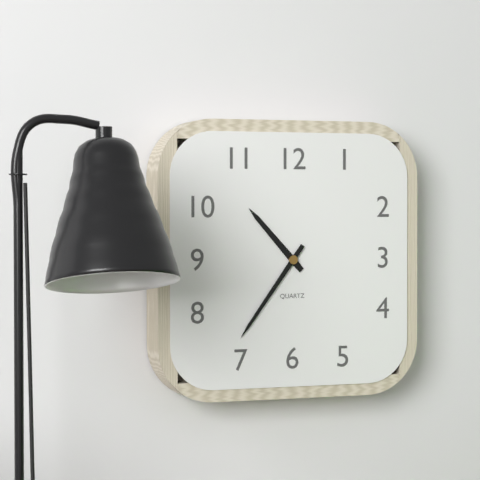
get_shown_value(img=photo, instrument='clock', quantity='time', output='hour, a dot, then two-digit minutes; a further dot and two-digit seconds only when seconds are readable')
10.36
